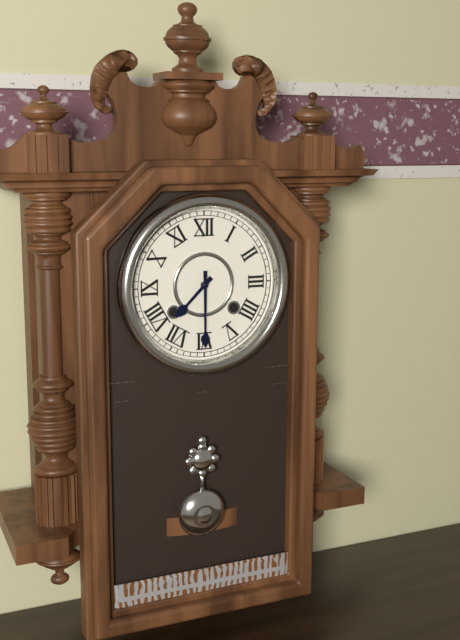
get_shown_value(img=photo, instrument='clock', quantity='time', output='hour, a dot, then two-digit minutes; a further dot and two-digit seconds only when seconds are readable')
7.30
